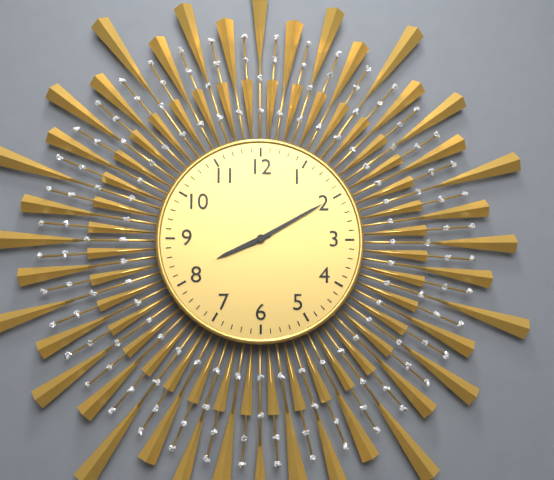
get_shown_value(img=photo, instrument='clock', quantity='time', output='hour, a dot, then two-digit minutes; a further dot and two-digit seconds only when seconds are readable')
8.10
